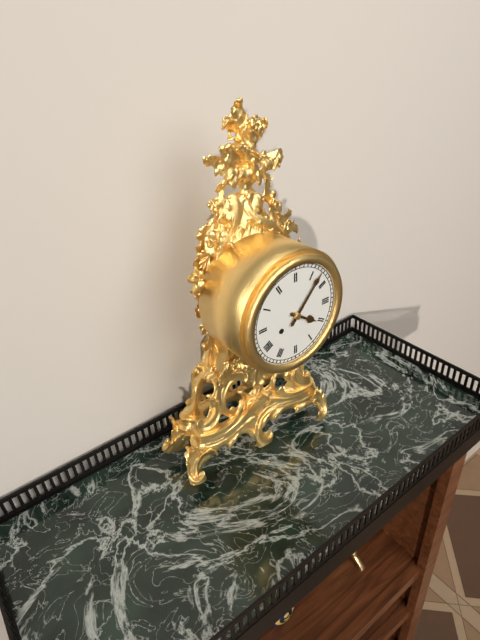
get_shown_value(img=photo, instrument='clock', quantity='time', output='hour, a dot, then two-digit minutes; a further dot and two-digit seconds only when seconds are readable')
4.07
